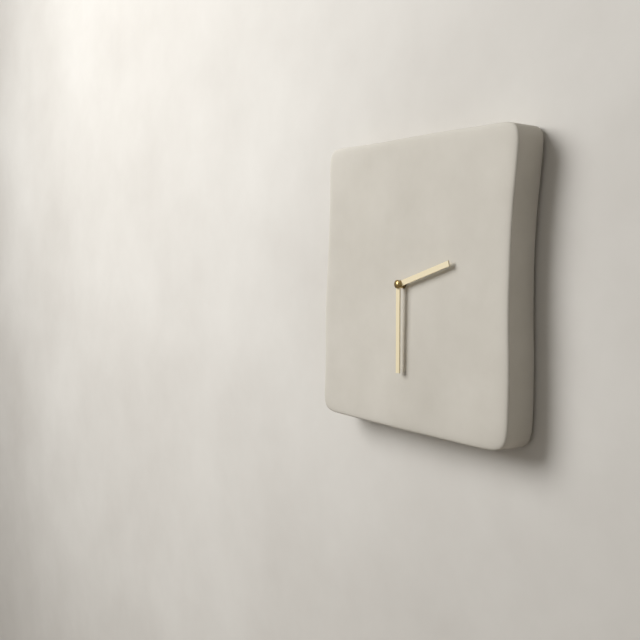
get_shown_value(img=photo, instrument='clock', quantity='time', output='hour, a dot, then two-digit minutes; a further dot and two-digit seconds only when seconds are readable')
2.30
